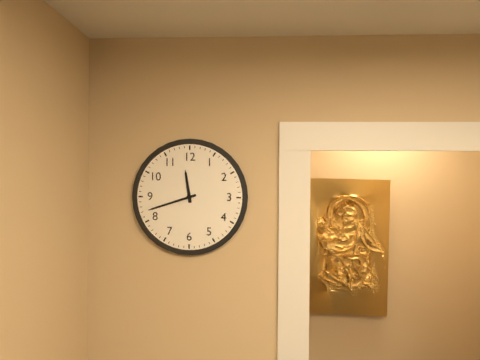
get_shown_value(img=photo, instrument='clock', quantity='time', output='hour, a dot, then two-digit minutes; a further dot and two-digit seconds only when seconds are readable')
11.42
